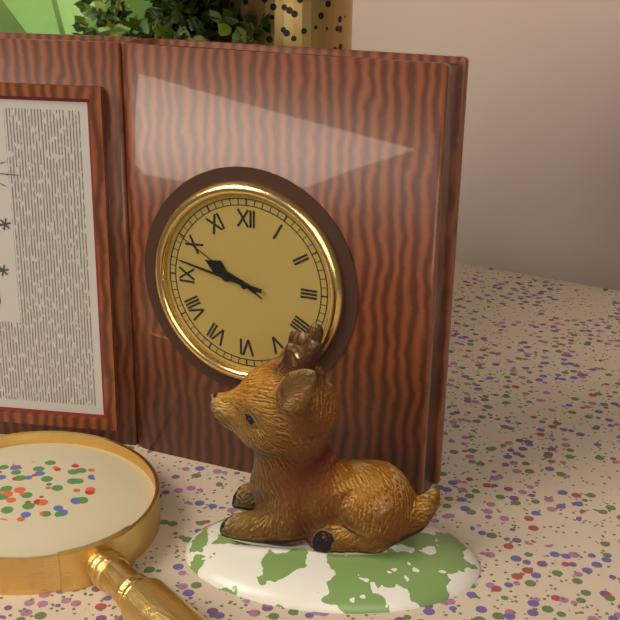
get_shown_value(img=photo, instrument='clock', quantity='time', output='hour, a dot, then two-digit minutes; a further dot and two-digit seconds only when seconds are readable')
9.47.50
